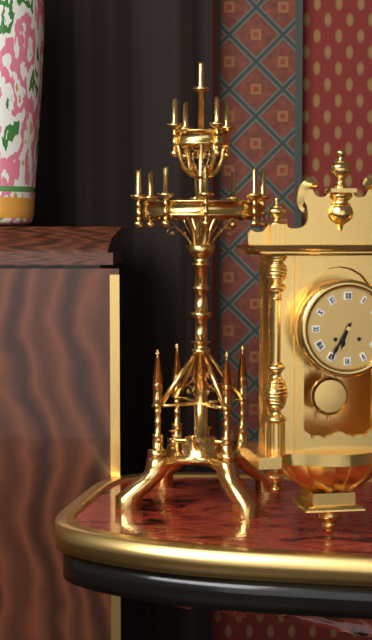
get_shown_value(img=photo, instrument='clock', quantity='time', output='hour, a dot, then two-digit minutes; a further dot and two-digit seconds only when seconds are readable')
6.35
